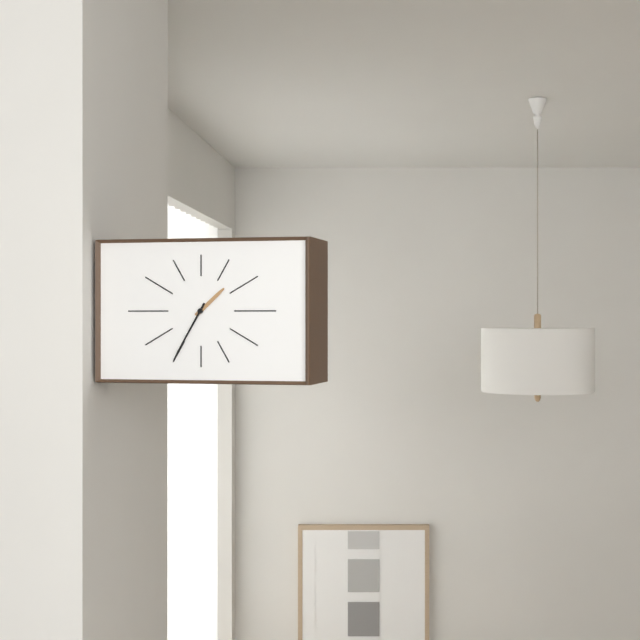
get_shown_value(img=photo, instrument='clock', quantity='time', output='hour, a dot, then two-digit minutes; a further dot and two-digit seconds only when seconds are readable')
1.35
